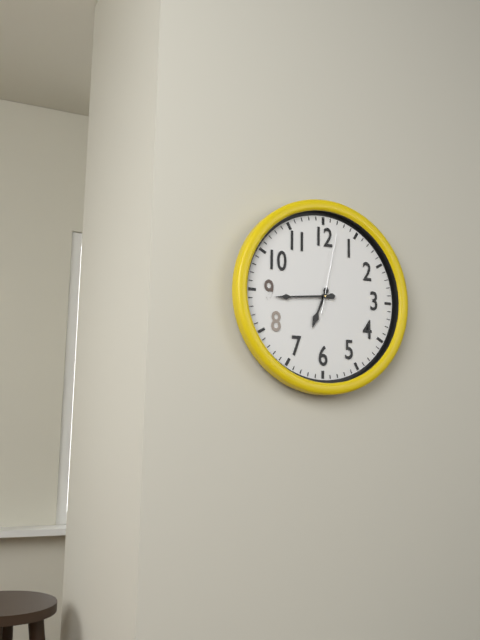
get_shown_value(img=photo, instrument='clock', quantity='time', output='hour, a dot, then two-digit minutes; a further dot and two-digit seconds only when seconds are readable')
6.44.02
